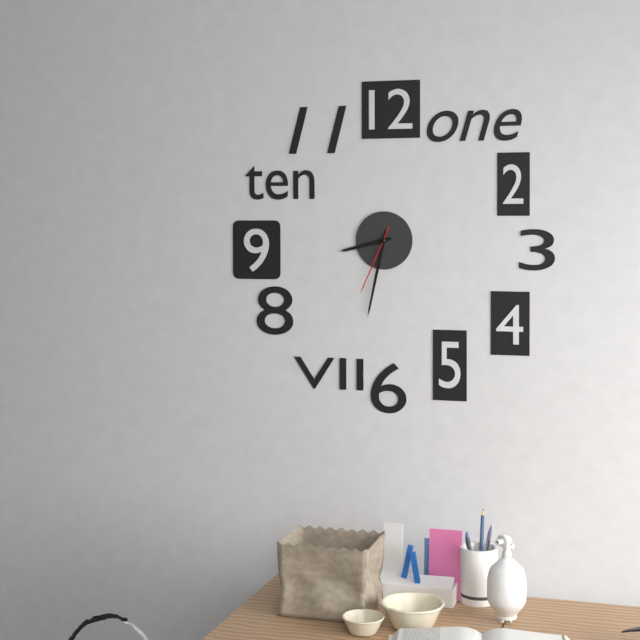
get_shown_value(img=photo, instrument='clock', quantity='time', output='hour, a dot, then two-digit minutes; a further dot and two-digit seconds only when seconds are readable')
8.32.34
